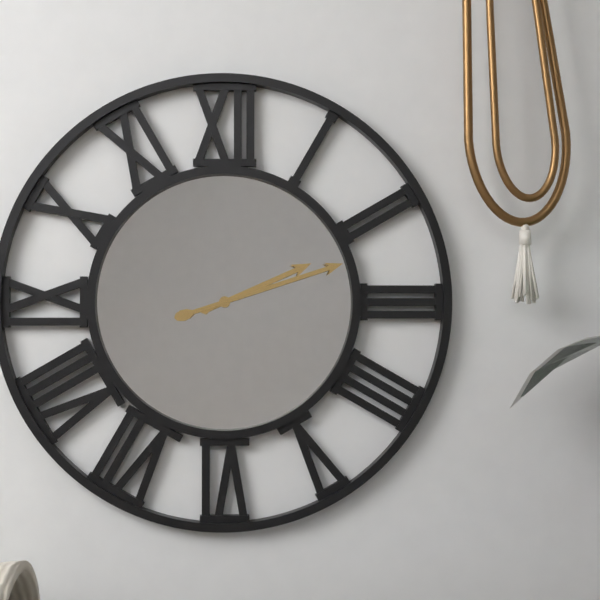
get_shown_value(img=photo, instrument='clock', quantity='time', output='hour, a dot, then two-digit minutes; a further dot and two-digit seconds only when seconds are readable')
2.12
